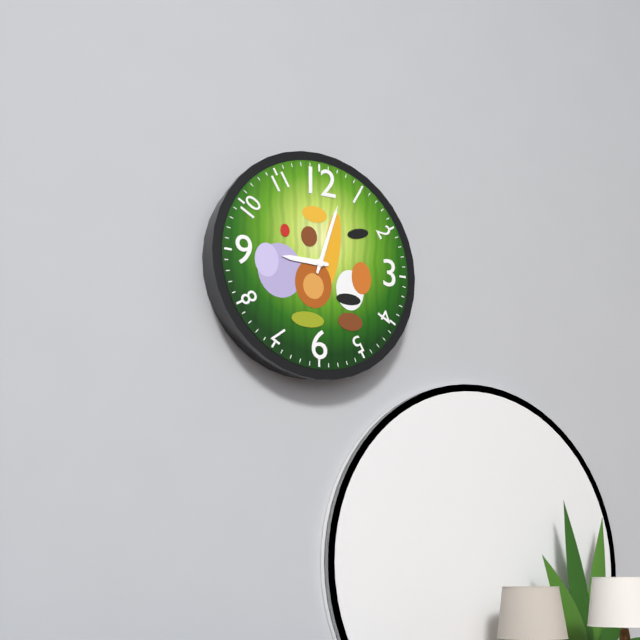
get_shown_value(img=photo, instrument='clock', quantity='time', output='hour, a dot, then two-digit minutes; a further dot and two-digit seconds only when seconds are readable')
9.03
